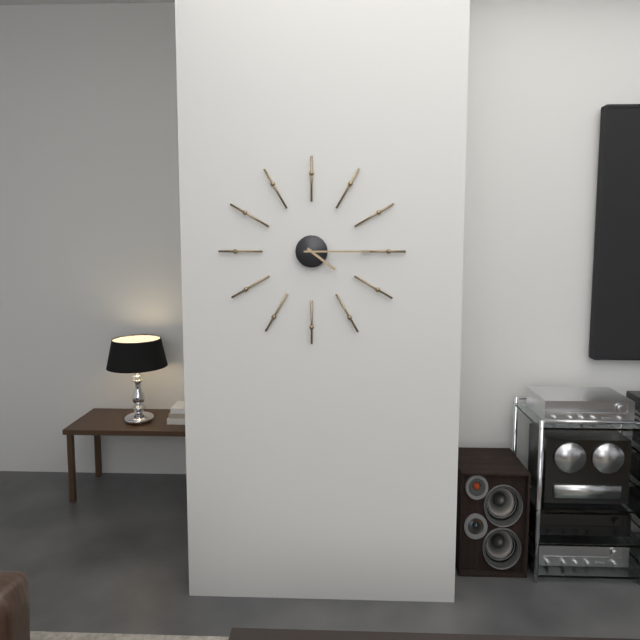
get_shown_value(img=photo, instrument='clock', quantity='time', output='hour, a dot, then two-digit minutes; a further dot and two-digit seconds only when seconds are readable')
4.15
